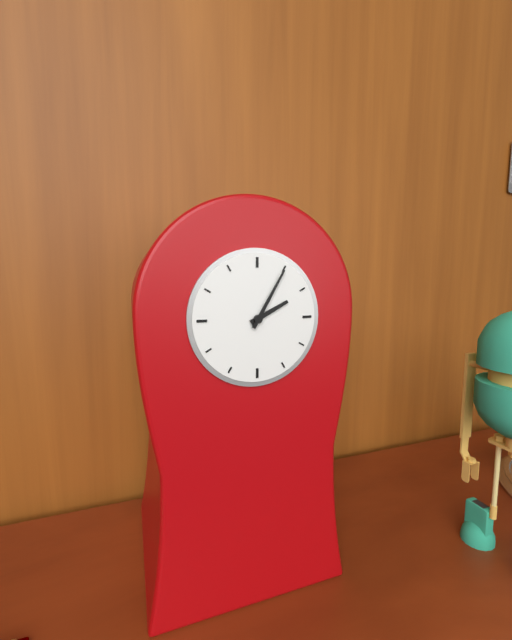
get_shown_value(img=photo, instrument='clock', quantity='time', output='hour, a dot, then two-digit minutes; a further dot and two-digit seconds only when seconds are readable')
2.05
